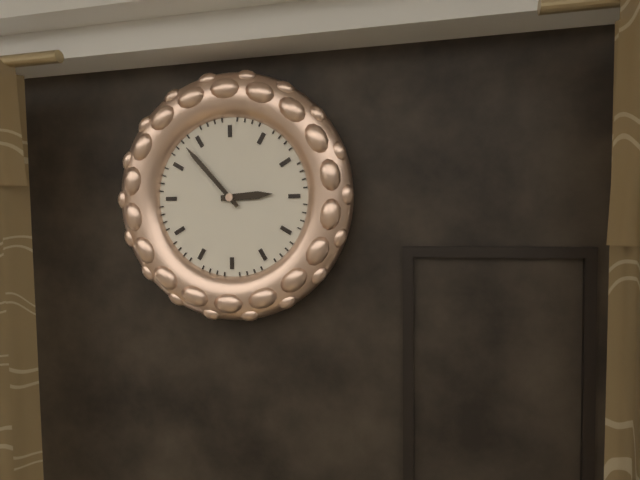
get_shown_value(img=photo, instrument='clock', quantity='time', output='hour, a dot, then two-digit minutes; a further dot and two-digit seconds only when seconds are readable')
2.53
